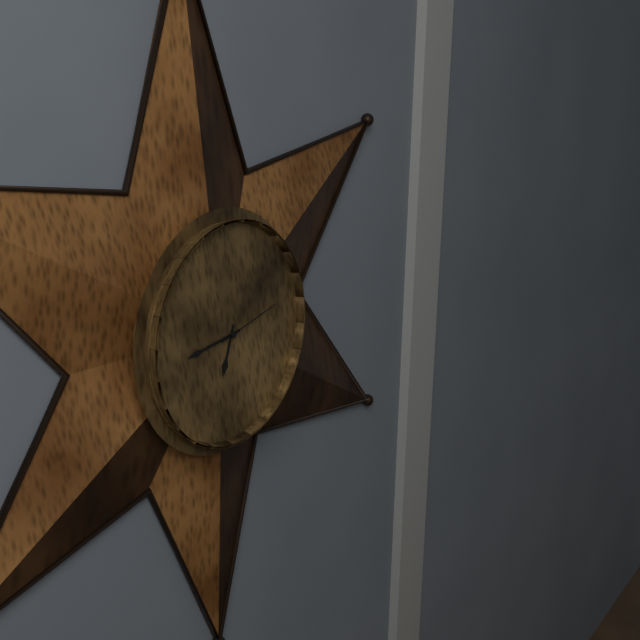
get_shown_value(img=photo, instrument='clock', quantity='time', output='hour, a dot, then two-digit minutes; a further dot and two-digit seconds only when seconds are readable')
6.44.13
